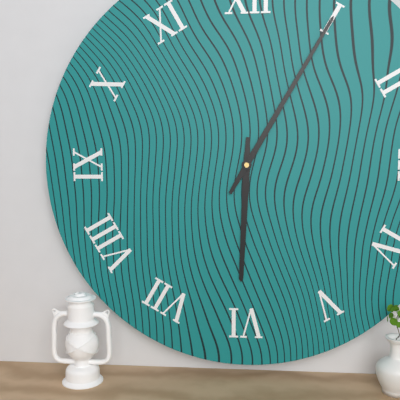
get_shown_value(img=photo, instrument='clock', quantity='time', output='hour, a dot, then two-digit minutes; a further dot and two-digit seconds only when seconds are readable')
6.05
